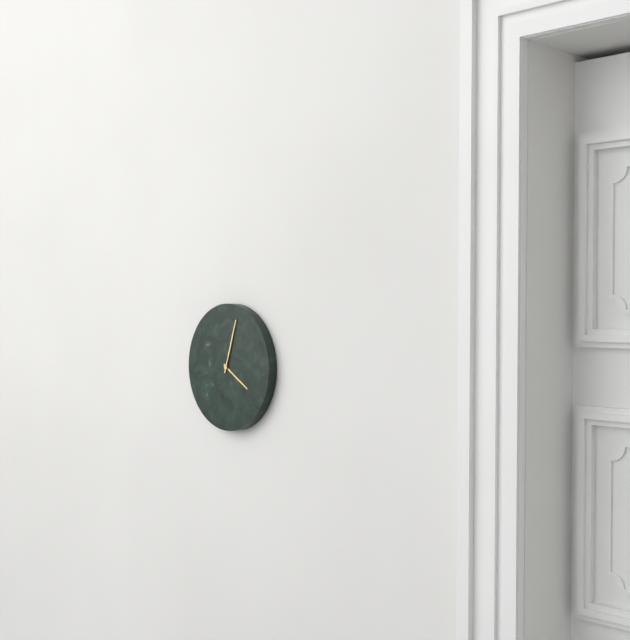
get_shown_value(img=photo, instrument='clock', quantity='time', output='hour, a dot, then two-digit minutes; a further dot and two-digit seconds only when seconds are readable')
4.03
